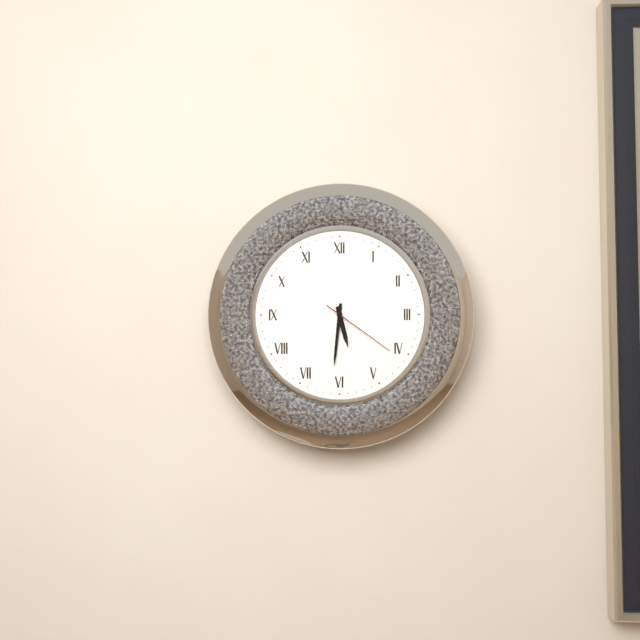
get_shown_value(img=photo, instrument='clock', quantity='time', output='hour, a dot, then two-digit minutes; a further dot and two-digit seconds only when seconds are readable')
5.31.21
